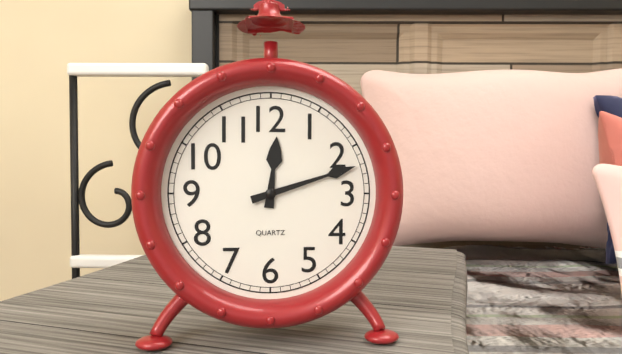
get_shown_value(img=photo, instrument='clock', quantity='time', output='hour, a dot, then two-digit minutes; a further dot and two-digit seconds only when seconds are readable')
12.12
